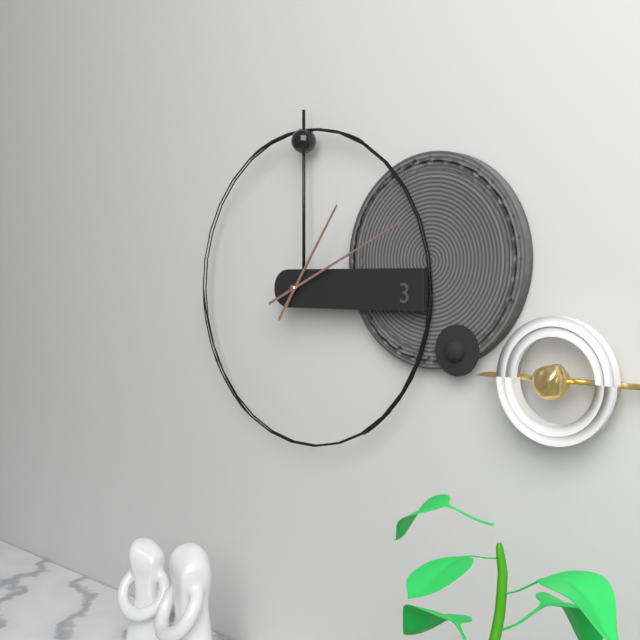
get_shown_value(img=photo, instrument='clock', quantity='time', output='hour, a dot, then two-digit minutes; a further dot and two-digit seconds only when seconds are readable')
1.11
